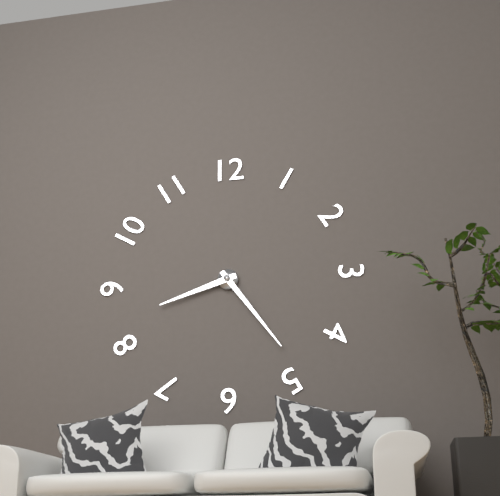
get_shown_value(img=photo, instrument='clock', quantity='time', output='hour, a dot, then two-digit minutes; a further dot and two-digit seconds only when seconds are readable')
8.24
